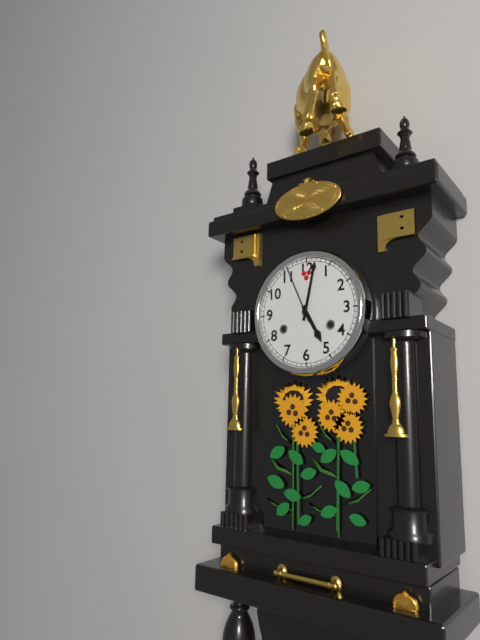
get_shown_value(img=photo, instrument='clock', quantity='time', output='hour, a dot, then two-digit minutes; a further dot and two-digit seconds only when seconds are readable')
5.02.56
